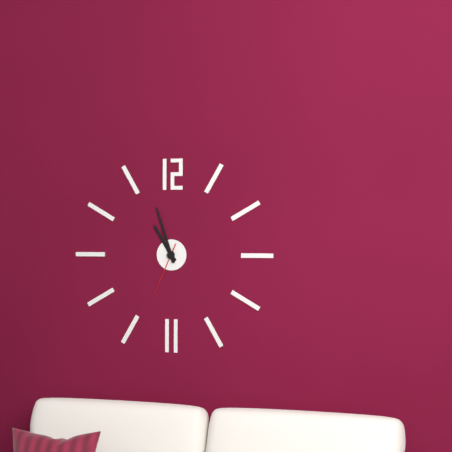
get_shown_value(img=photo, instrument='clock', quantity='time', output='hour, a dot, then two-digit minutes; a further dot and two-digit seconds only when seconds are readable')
10.57.34
